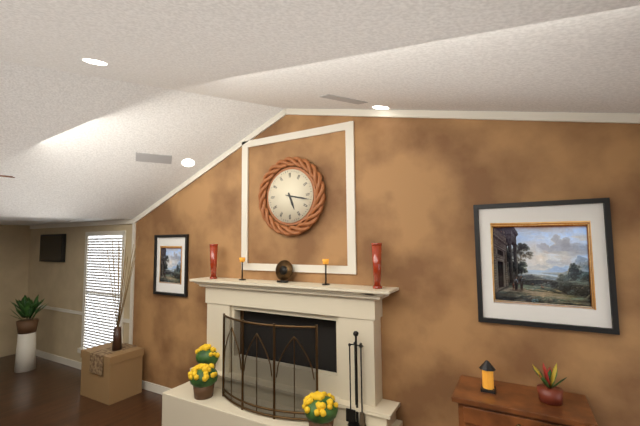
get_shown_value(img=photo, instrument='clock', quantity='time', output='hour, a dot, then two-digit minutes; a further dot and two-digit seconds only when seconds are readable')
5.17
